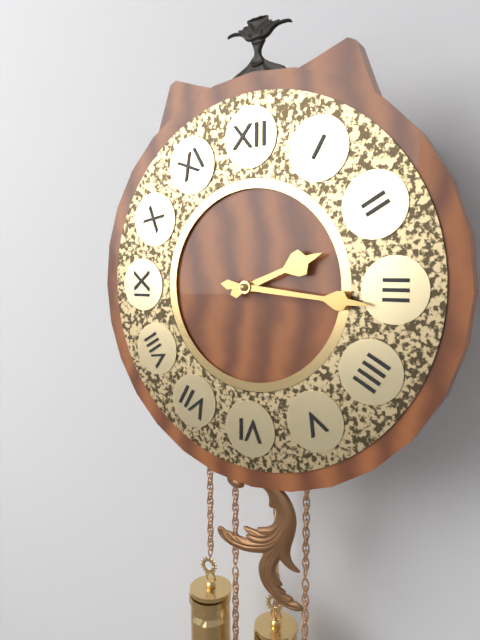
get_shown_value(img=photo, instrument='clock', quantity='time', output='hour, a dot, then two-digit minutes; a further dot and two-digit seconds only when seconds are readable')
2.16
